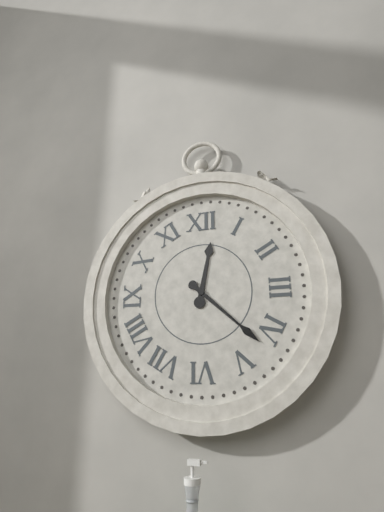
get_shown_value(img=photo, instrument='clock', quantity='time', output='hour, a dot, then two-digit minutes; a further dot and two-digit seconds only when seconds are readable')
12.22
